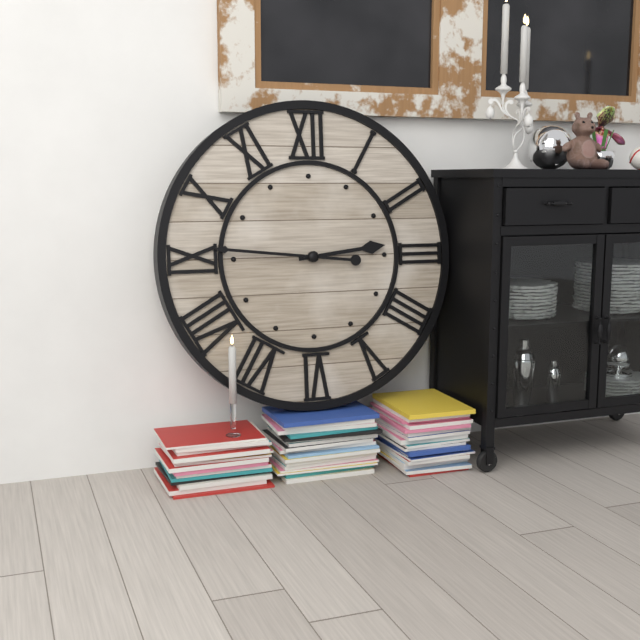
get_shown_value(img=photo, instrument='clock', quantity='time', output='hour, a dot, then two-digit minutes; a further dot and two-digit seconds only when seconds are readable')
2.46
